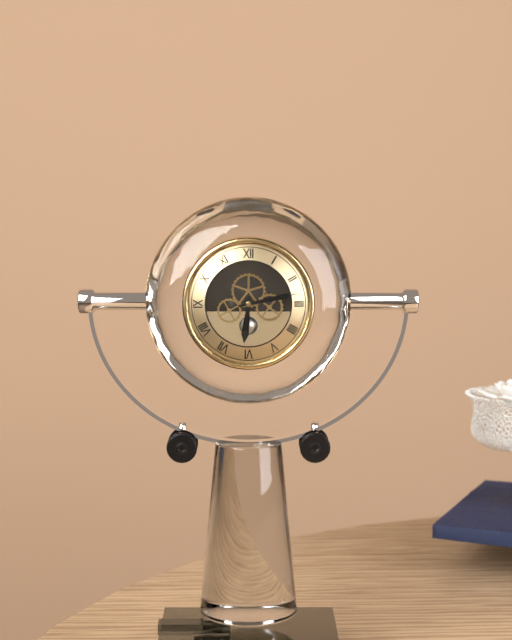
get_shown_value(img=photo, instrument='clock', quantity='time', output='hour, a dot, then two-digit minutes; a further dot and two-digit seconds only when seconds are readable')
6.13
